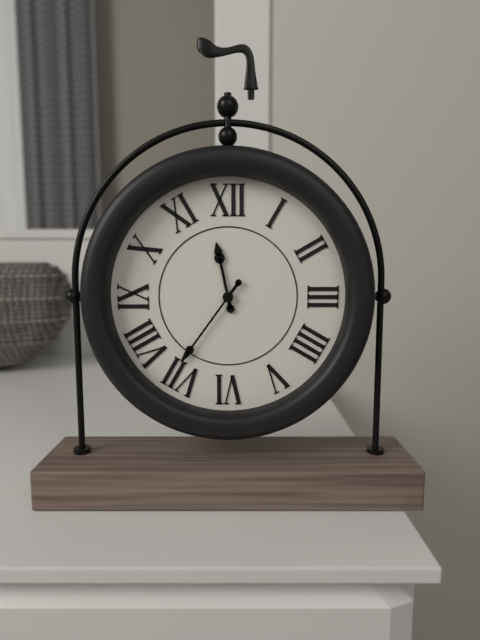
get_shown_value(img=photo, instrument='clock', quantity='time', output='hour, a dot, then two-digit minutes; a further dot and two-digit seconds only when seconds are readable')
11.36
